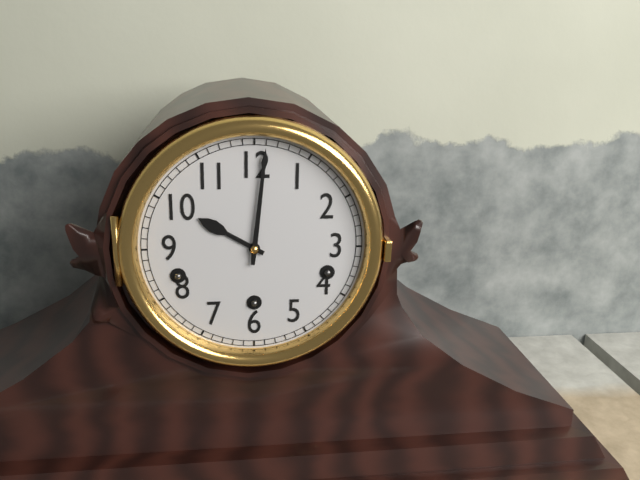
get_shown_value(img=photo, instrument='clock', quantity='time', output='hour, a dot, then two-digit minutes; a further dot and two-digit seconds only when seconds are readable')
10.01
